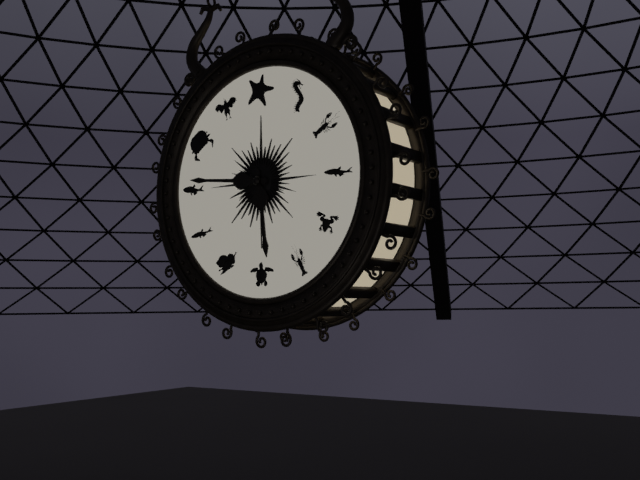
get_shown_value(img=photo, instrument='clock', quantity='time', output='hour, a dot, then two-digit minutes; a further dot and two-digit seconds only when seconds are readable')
5.46
